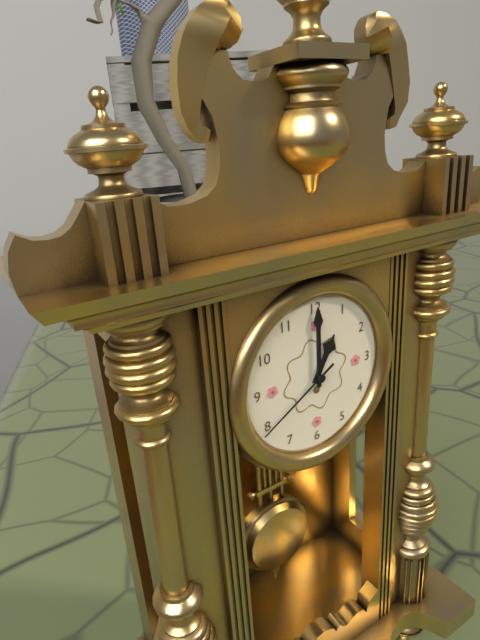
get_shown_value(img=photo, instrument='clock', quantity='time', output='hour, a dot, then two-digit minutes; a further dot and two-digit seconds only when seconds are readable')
1.00.40
